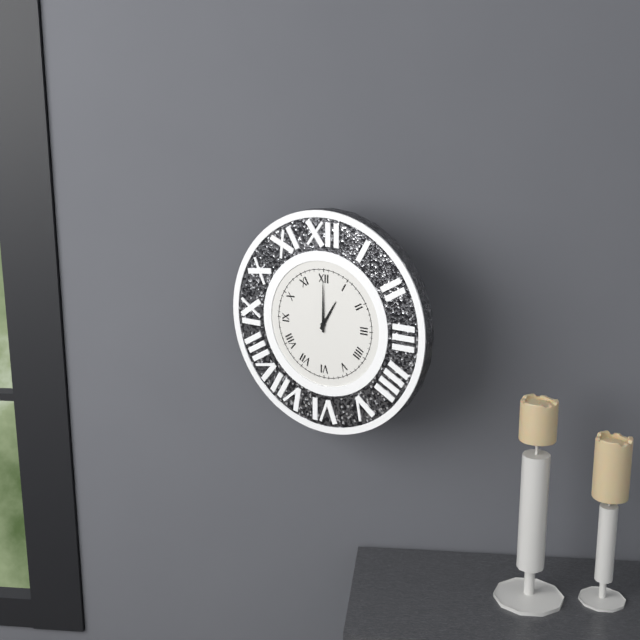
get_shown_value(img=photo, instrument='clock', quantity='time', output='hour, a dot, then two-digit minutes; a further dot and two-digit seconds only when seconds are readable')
1.00
